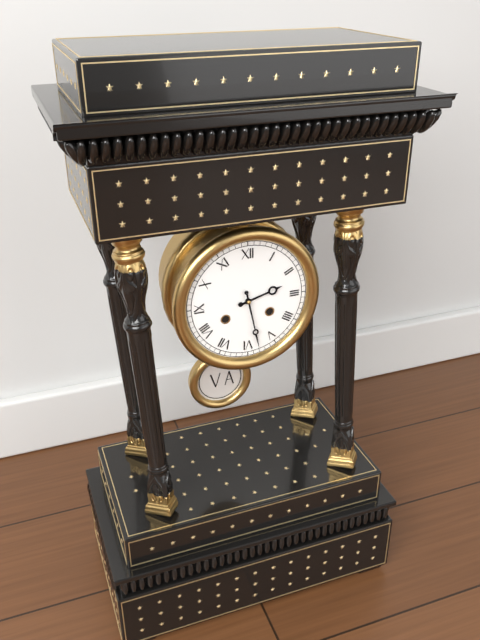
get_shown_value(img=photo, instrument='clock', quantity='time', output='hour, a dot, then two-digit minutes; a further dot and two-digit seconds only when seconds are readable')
2.28
